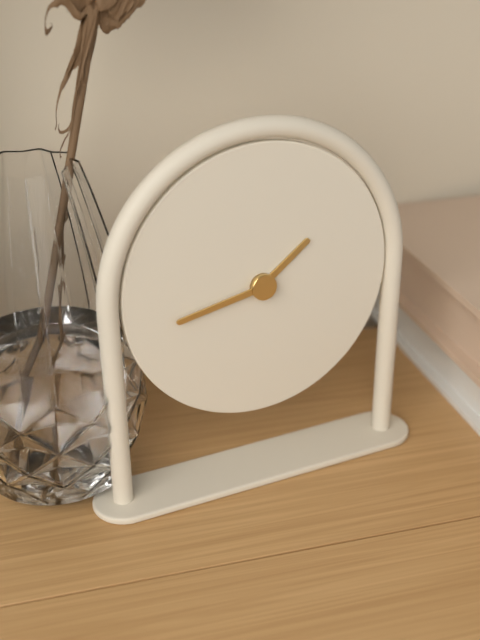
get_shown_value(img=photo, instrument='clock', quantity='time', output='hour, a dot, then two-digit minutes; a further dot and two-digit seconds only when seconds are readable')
1.43
